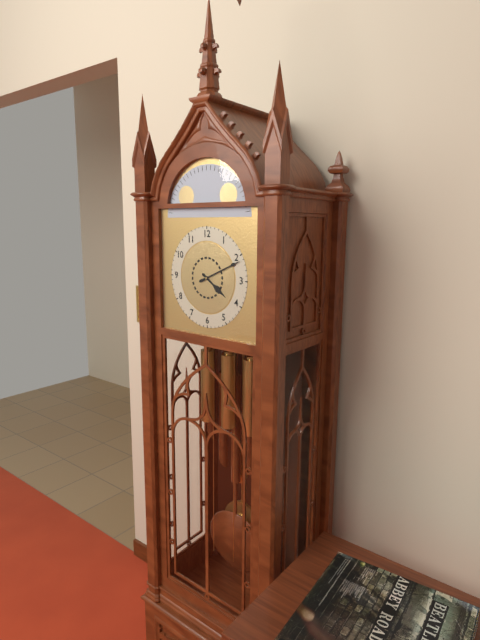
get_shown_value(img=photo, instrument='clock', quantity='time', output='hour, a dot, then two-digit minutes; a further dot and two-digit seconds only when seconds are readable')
4.11
